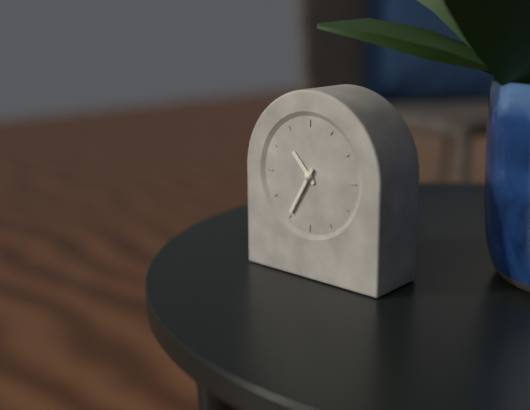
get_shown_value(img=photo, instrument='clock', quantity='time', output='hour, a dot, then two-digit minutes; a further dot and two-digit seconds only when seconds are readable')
10.35
